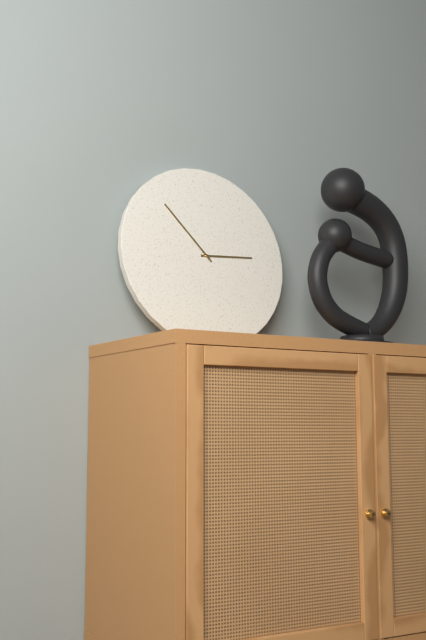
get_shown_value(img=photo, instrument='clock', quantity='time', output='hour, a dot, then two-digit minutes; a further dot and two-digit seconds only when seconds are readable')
2.53
